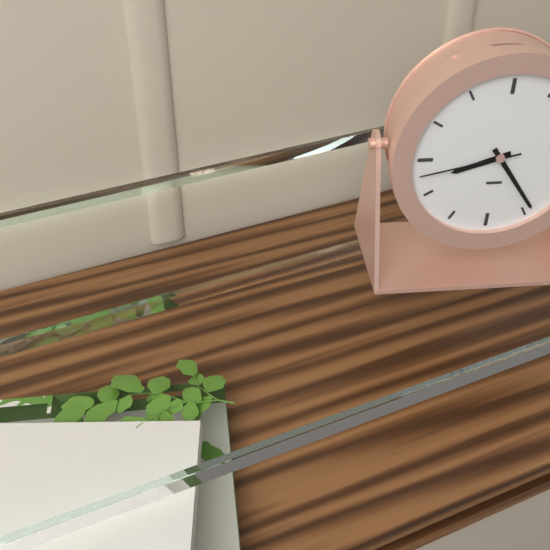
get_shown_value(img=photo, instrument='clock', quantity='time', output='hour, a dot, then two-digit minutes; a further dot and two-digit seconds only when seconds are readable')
8.24.43
